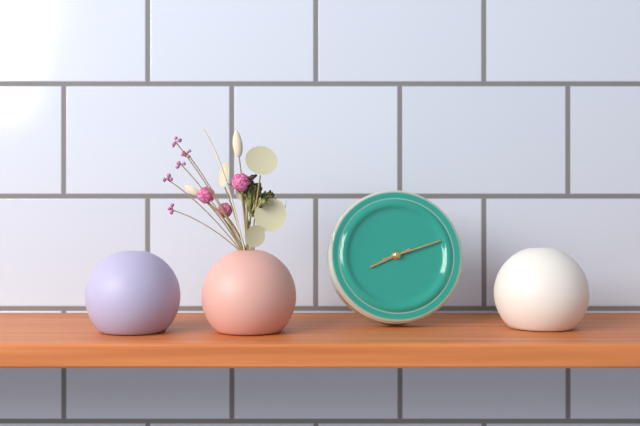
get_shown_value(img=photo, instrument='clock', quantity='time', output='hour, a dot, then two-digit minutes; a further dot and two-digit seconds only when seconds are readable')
8.12
